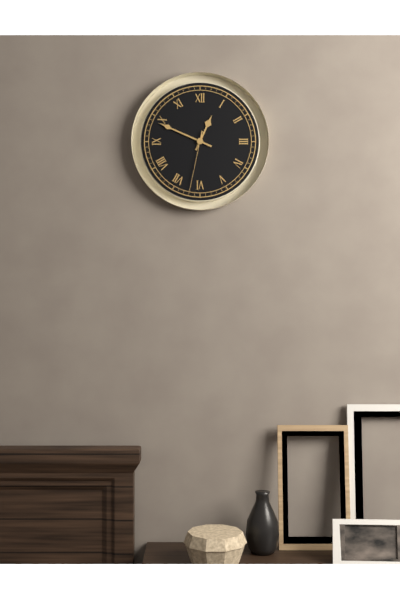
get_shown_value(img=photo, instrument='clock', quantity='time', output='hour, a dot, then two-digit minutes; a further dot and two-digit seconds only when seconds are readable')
12.49.32
